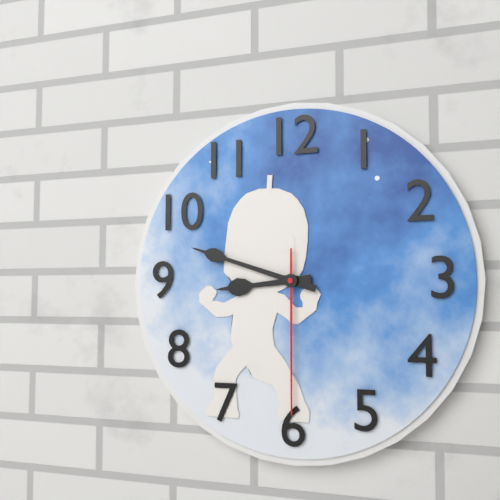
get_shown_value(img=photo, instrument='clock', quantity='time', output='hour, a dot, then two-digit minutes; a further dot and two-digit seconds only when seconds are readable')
8.48.30
